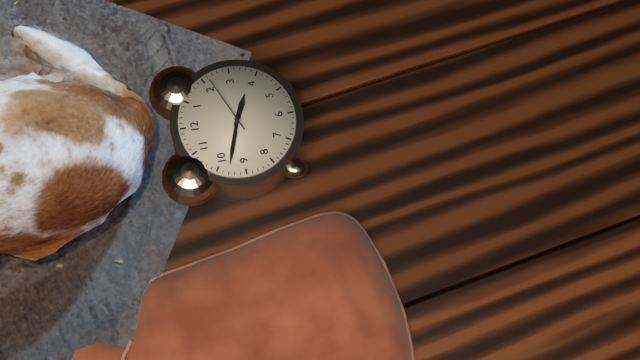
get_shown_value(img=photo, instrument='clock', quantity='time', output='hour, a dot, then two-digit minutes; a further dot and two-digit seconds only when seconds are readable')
3.48.11
